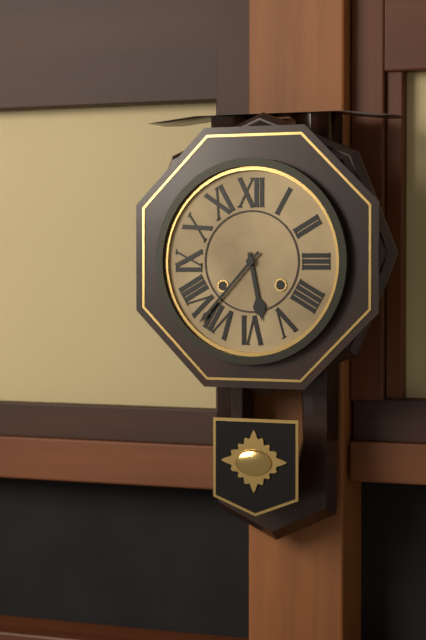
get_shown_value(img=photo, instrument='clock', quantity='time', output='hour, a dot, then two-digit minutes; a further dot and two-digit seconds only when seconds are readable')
5.37
